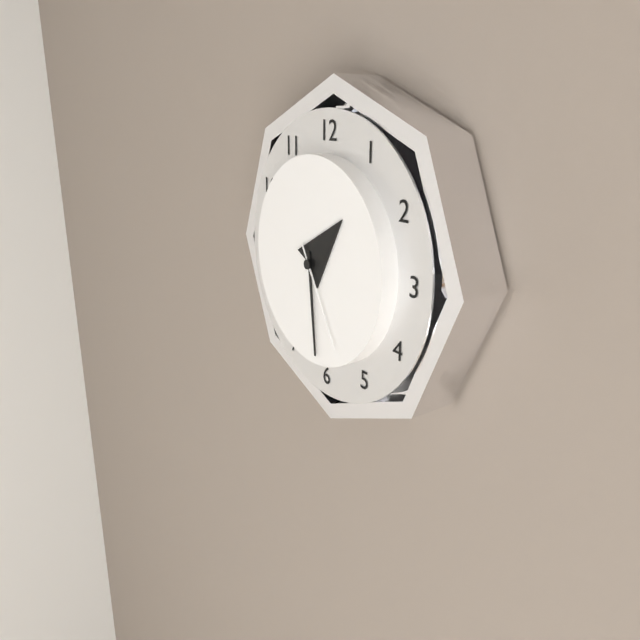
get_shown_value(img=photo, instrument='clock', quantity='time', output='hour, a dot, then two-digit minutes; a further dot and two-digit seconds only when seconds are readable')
1.29.25
